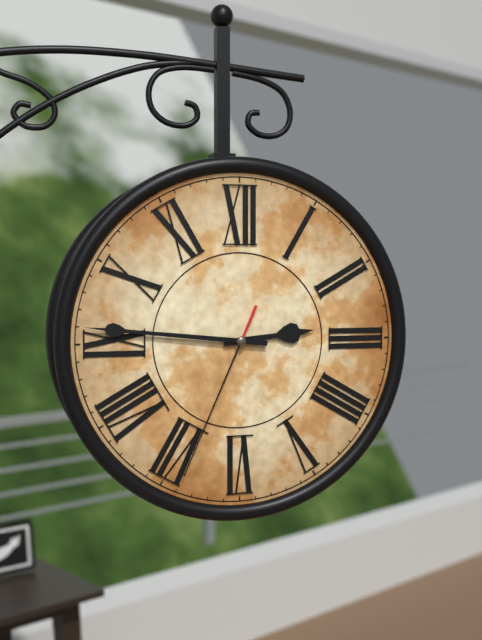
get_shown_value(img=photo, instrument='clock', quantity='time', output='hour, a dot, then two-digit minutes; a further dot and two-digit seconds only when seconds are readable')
2.46.34
